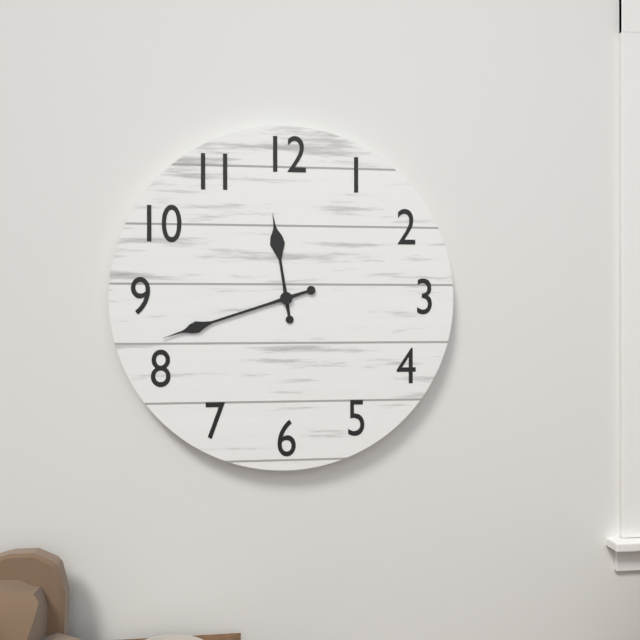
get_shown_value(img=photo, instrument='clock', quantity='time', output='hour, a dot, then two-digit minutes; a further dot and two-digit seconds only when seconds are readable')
11.42
